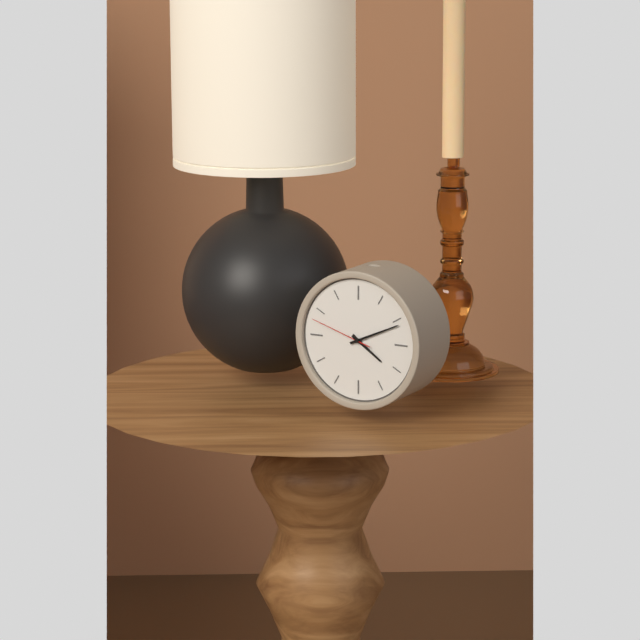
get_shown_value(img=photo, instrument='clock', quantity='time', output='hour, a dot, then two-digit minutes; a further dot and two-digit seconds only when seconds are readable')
4.11.48
